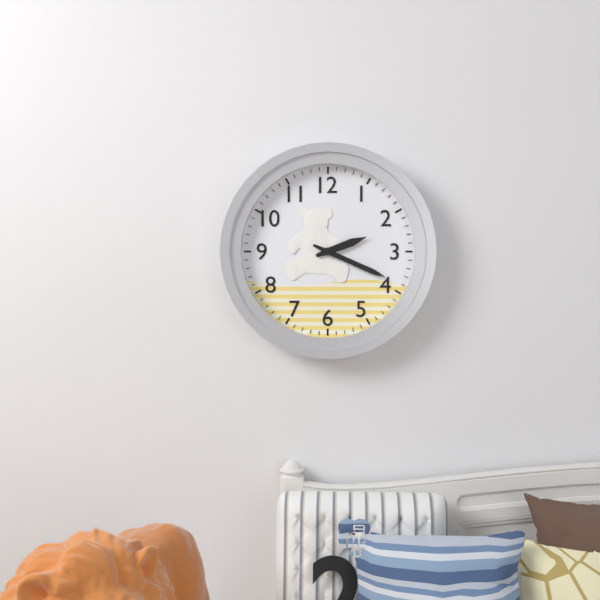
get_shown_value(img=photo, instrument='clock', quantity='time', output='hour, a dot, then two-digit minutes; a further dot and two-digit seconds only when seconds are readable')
2.19
